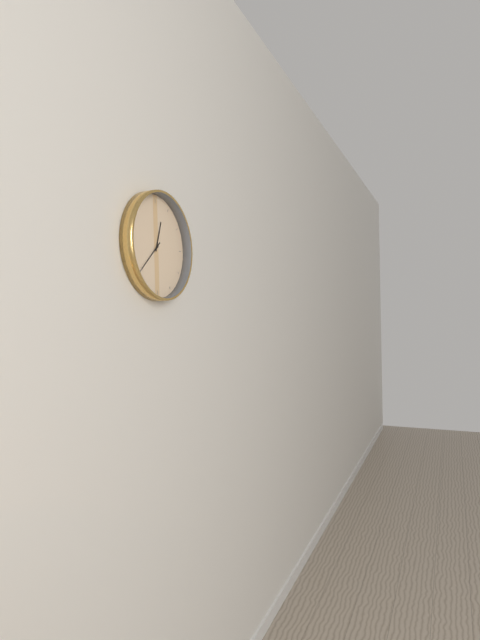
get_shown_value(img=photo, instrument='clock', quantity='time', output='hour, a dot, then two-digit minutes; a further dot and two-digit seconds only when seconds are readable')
12.38
